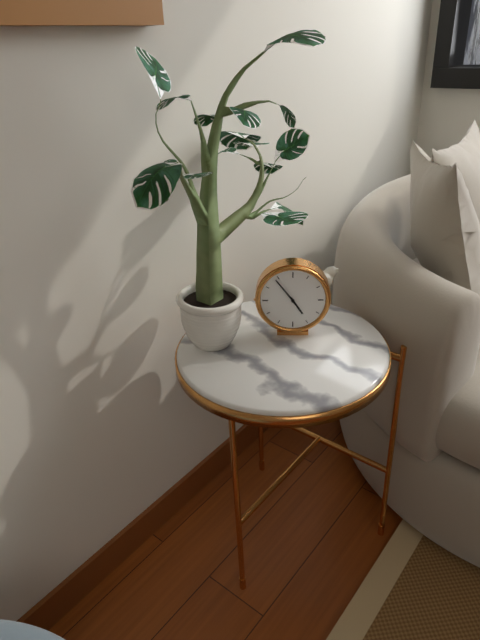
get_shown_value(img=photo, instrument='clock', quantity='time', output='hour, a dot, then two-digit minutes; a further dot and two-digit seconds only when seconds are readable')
4.54
